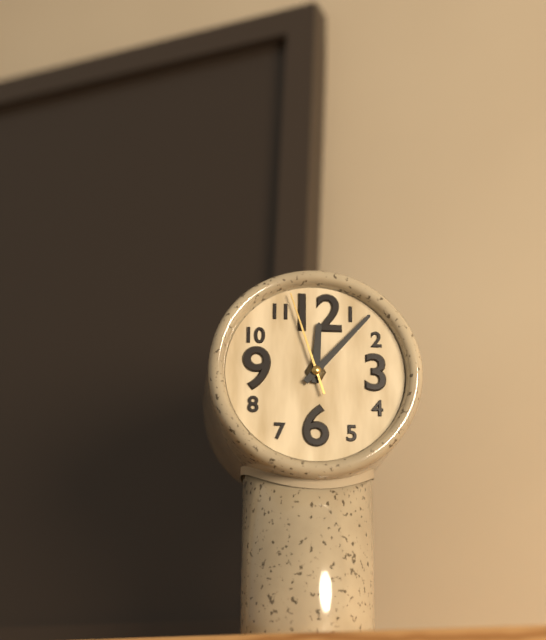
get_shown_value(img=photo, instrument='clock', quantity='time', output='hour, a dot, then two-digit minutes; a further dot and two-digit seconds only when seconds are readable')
12.07.57
